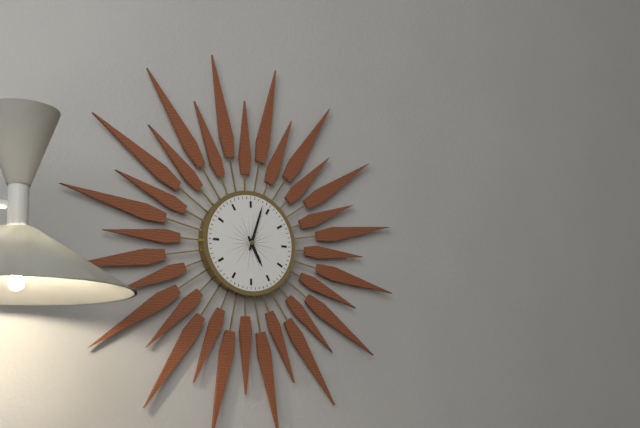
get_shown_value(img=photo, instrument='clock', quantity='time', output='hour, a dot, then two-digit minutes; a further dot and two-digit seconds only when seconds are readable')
5.03
